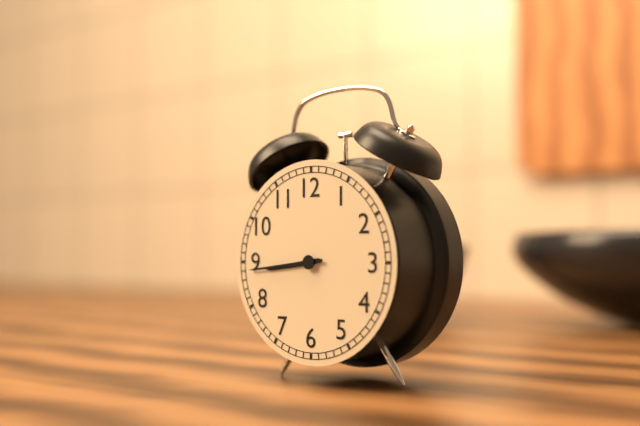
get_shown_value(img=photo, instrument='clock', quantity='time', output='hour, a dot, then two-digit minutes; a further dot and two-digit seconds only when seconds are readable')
8.44
